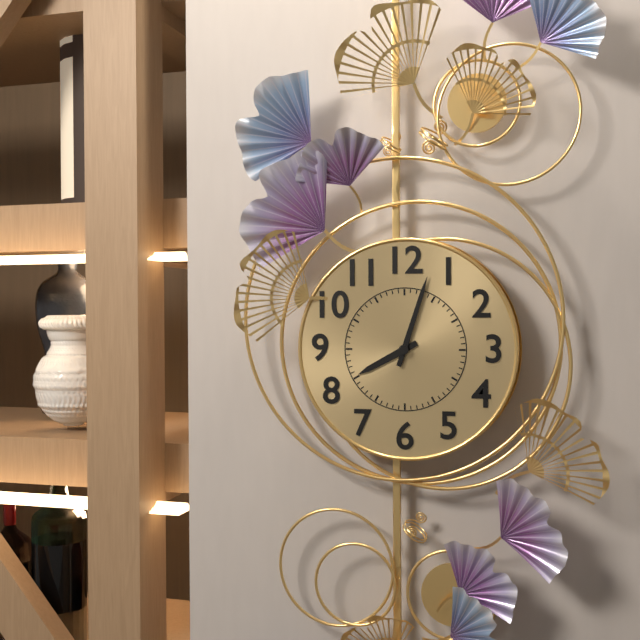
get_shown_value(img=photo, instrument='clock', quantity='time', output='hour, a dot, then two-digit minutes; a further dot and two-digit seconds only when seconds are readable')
8.03
